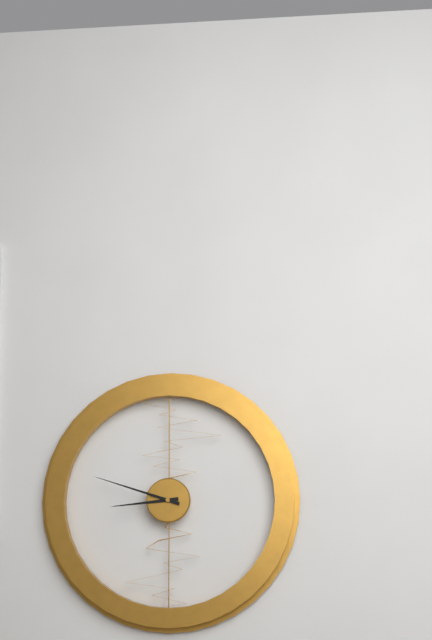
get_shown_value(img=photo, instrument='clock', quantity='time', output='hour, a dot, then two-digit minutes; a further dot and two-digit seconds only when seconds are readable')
8.48
